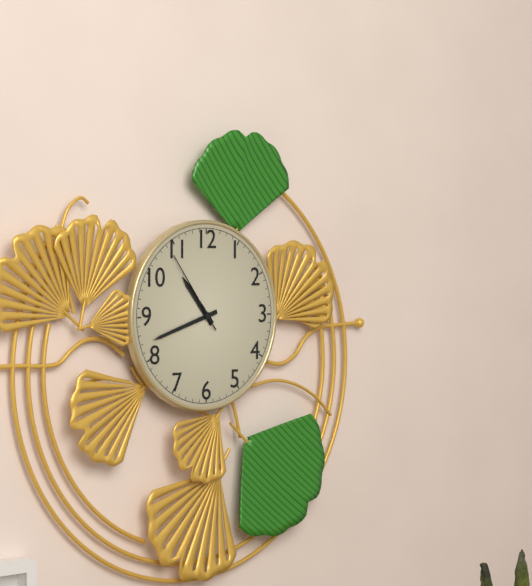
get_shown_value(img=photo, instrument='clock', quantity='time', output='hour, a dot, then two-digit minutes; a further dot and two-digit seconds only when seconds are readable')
10.42.54
